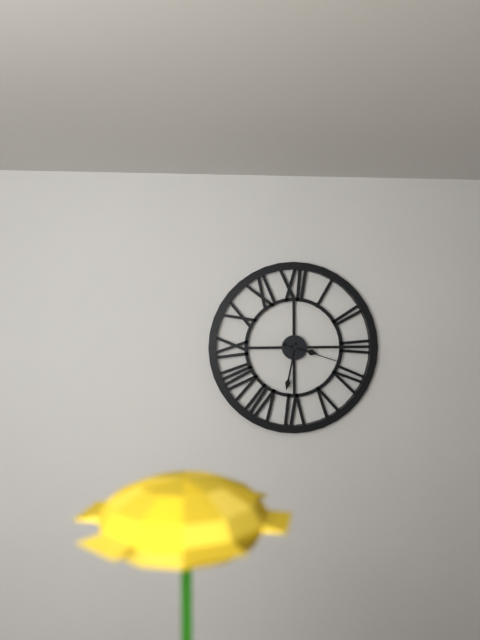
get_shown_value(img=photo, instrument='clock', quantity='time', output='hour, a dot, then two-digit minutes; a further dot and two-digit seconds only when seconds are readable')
3.32.18
